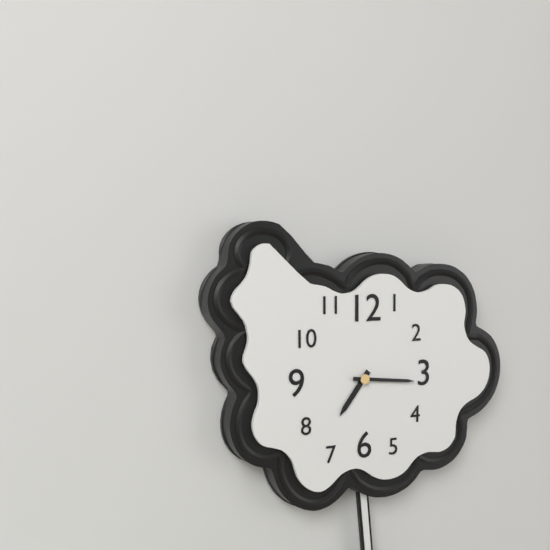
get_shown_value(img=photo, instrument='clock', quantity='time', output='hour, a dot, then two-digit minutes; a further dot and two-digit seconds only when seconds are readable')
7.16
